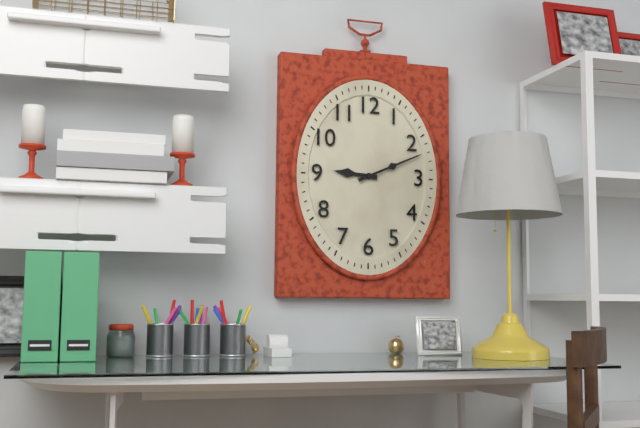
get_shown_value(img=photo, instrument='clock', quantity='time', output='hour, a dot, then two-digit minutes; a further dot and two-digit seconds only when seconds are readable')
9.11
